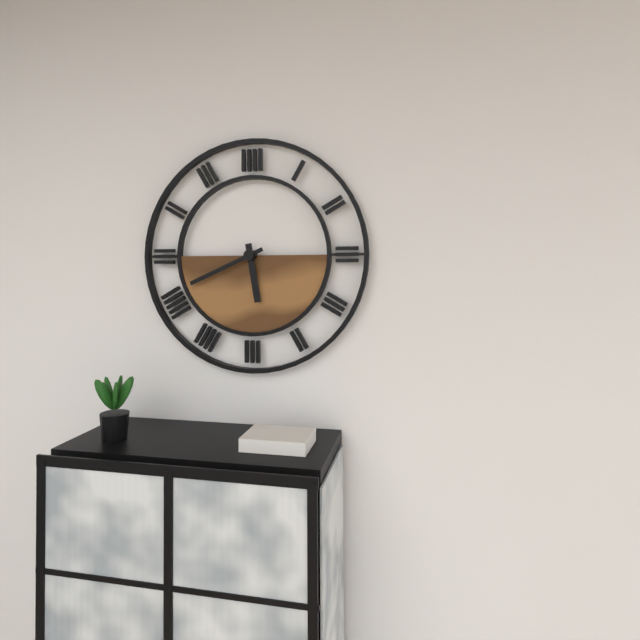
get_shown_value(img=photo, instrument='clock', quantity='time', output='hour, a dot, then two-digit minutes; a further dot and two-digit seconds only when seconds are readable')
5.41
